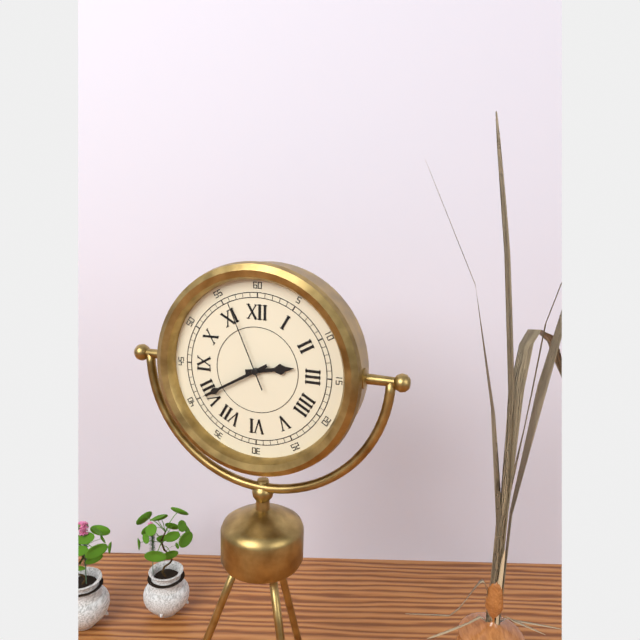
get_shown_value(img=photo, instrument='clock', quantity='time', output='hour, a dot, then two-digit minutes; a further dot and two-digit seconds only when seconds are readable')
2.40.56
